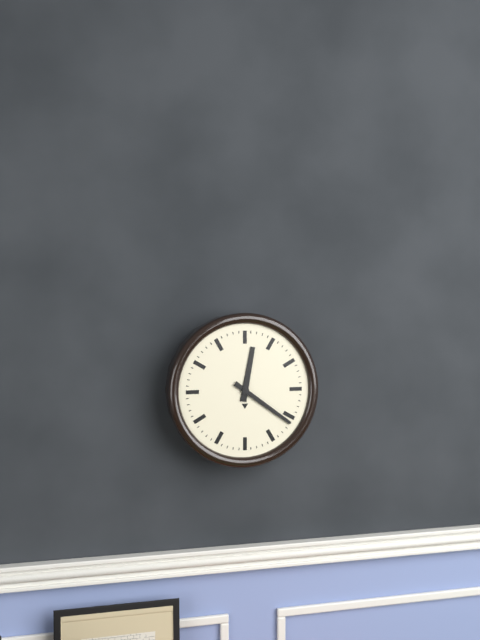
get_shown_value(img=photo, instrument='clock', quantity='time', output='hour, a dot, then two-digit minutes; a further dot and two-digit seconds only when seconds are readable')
12.21
